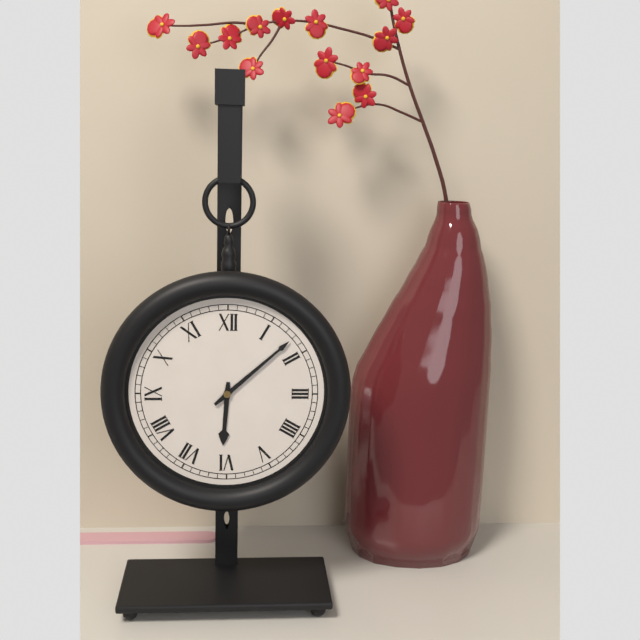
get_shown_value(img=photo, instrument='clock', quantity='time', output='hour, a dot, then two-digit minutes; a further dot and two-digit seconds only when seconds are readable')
6.08
